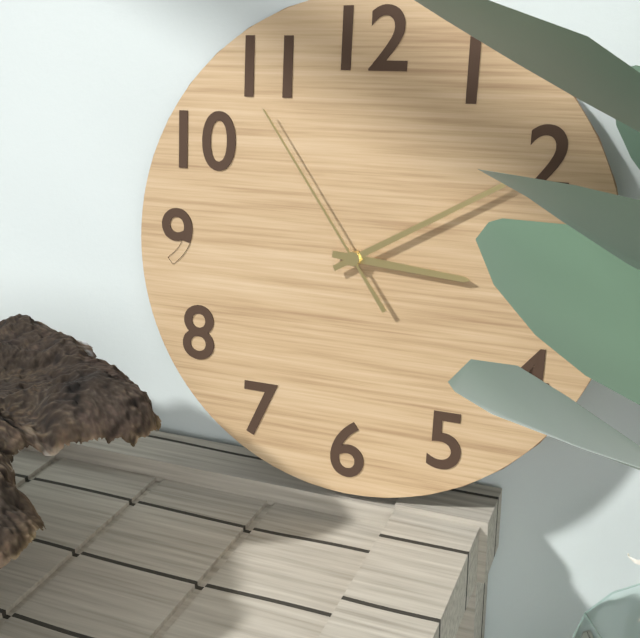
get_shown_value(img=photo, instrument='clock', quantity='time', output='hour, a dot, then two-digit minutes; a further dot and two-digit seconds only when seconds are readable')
3.10.54
